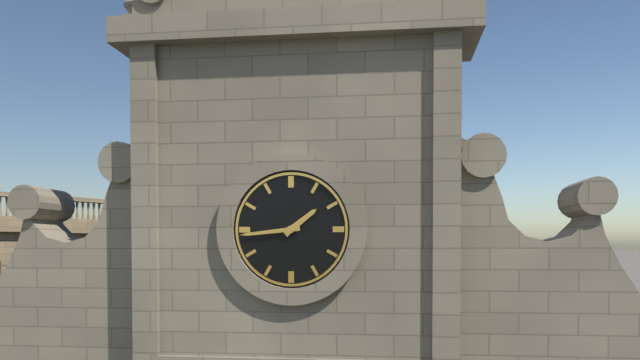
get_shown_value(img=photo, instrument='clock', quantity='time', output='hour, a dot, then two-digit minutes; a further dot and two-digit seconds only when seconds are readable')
1.44
